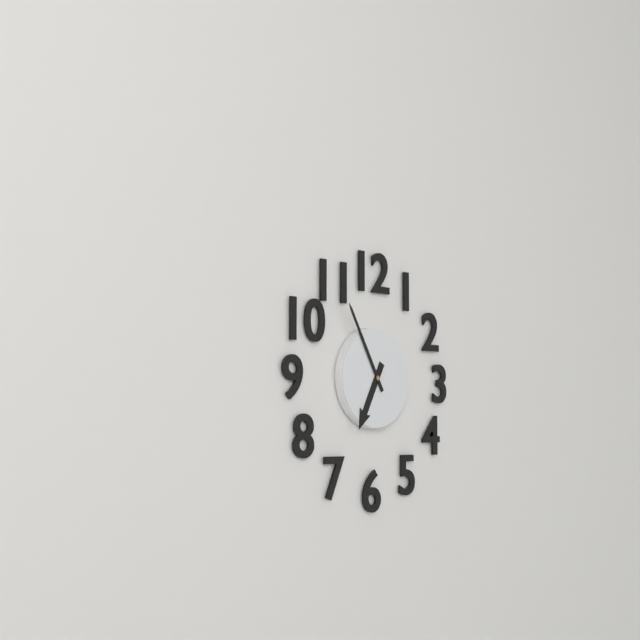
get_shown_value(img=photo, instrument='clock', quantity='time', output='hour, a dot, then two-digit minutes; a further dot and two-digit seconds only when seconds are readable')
6.55
